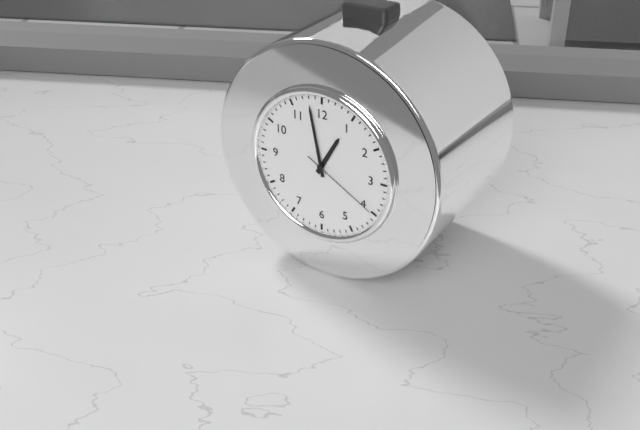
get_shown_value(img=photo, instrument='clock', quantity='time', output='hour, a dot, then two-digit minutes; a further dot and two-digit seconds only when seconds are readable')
12.58.20
